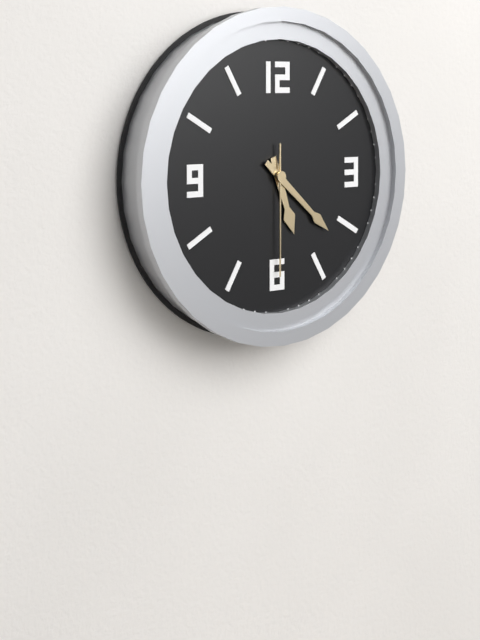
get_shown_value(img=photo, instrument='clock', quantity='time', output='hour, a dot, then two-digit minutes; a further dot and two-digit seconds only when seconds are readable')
5.22.30
